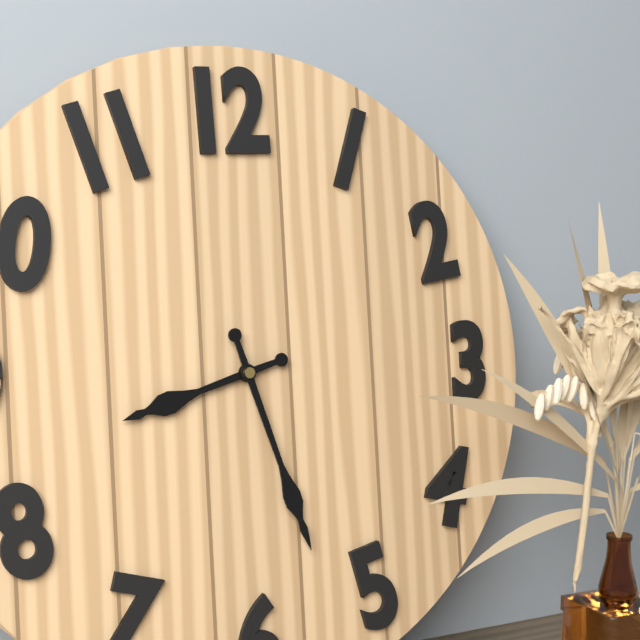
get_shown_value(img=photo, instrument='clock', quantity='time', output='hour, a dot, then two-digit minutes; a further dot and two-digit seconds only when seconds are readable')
8.27
